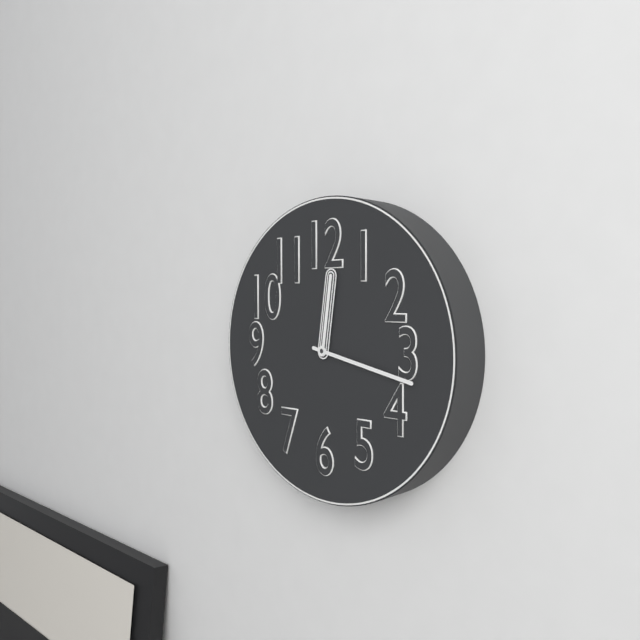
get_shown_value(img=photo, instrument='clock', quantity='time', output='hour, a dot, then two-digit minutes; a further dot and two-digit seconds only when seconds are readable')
12.17
